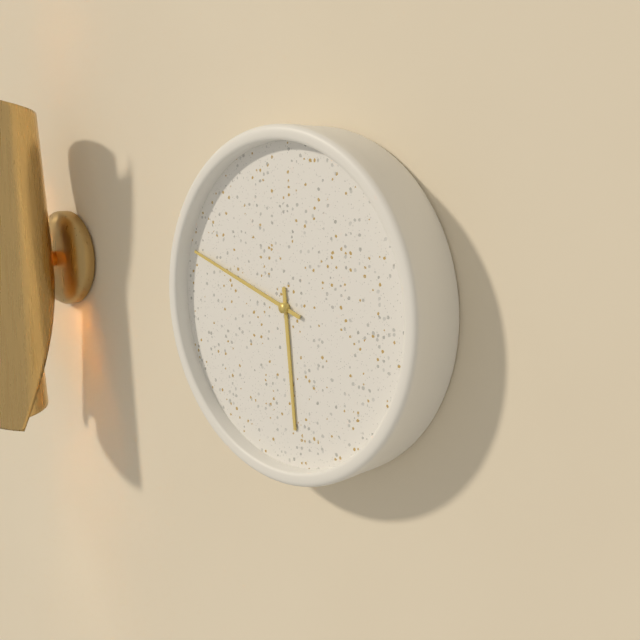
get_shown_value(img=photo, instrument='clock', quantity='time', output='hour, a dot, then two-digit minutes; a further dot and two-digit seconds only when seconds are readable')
5.48
